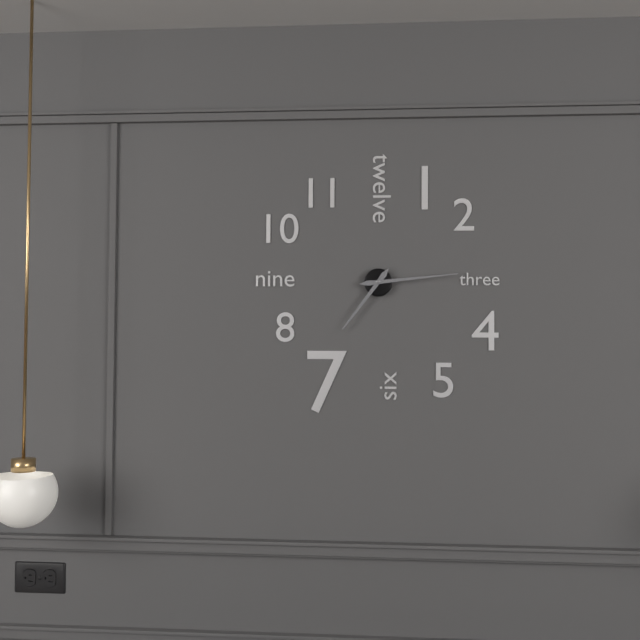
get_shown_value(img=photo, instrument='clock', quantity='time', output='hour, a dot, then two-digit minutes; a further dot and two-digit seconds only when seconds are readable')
7.14
